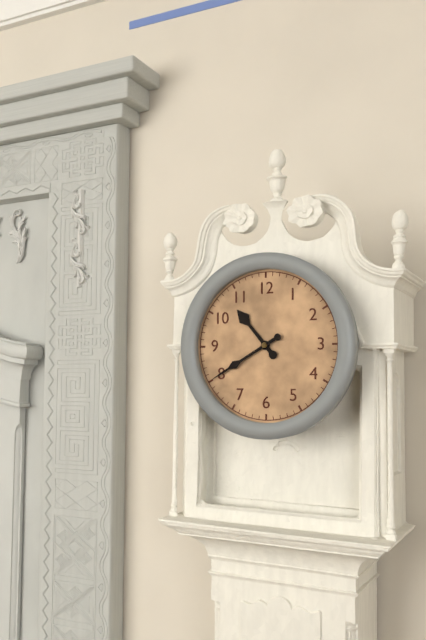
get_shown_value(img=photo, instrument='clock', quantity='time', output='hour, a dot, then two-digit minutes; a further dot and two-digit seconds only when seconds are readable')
10.40
